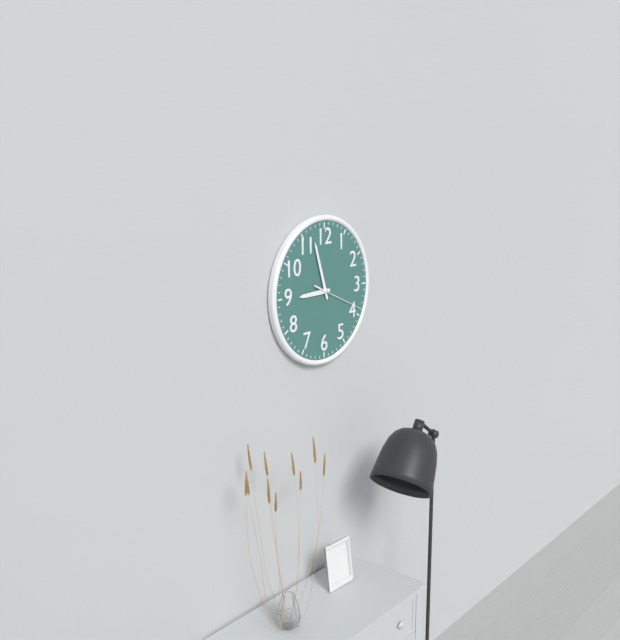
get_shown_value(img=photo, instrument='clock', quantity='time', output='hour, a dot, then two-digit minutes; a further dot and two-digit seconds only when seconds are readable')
8.57.19
